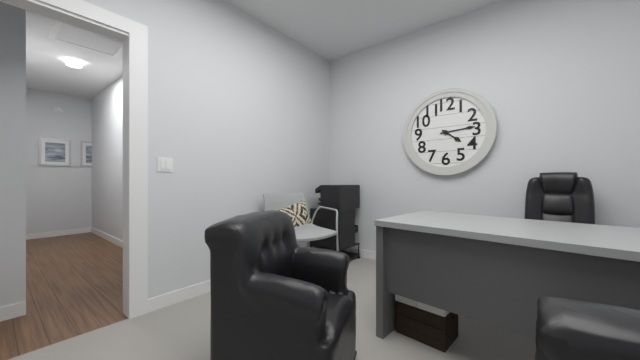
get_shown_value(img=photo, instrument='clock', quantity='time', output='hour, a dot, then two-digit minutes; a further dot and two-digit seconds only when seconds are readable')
4.14
